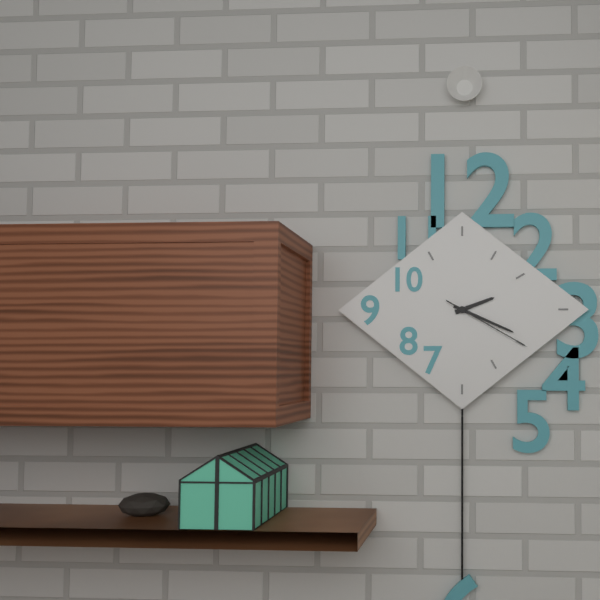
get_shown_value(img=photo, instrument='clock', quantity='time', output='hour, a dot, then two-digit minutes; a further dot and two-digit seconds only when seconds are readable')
2.19.20
